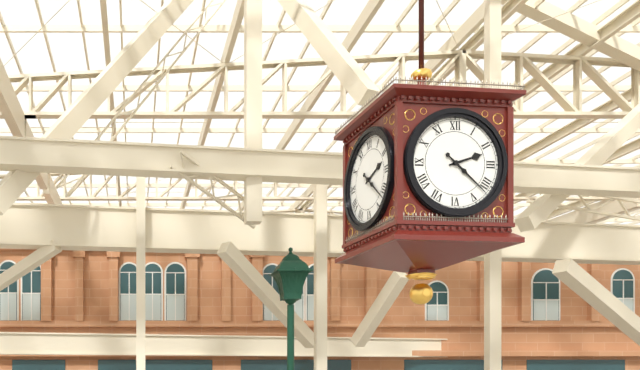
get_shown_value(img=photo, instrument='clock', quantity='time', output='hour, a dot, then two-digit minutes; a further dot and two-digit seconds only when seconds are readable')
2.22
